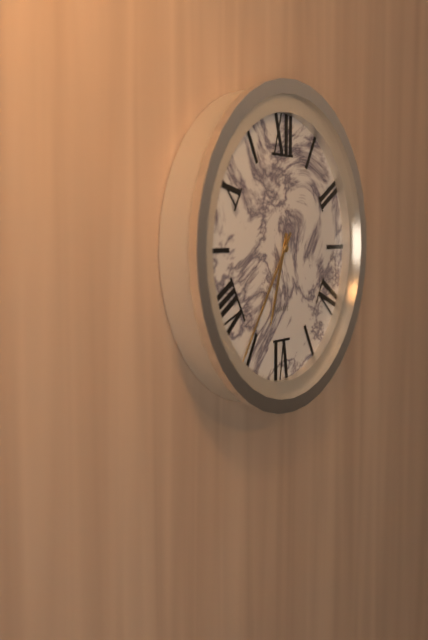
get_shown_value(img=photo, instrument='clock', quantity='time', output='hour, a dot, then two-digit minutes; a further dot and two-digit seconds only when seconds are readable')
6.36
